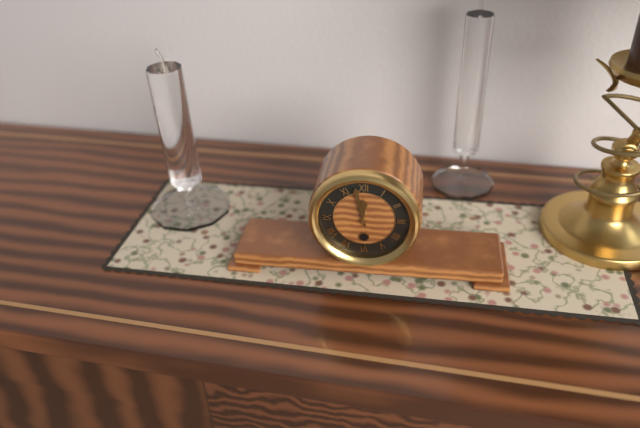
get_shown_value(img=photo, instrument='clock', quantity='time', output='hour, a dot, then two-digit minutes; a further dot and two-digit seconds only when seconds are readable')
11.58
